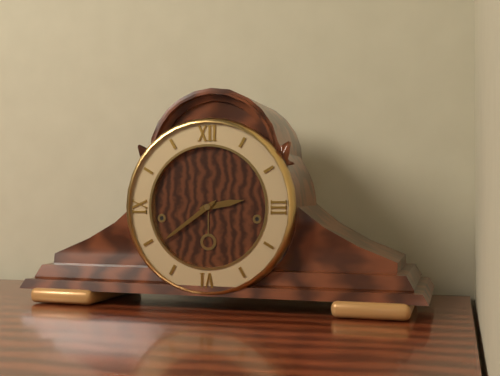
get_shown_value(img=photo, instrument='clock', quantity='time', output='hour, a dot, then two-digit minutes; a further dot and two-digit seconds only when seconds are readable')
2.39
